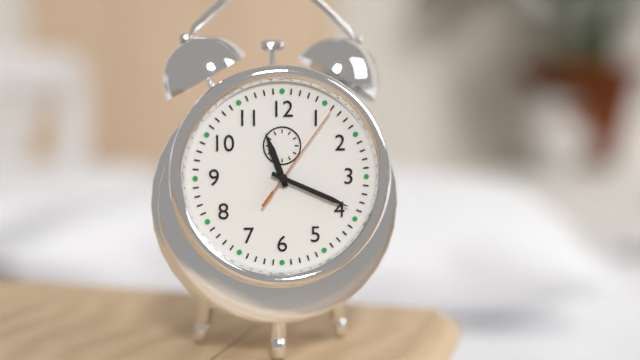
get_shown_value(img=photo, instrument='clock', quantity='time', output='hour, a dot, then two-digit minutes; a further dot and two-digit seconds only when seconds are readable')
11.19.06
